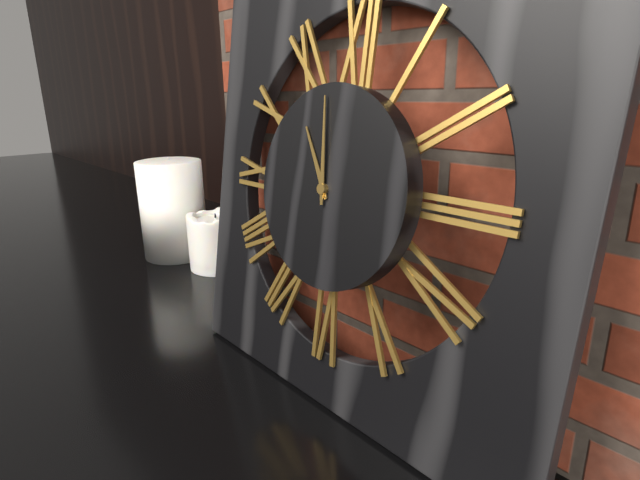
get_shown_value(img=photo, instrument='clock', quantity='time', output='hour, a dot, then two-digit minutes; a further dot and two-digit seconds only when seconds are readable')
10.59
